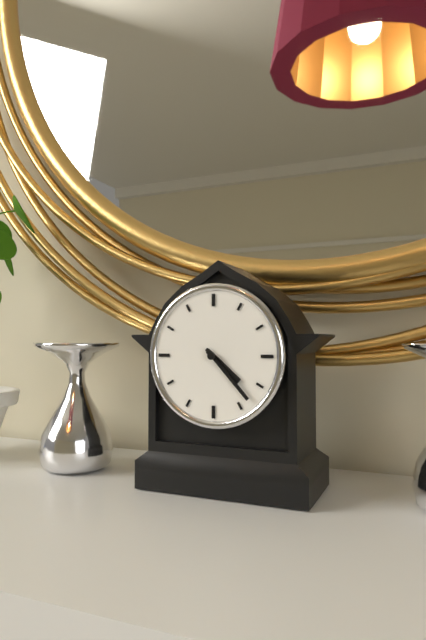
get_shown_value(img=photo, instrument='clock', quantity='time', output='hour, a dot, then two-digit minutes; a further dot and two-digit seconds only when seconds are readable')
4.23
